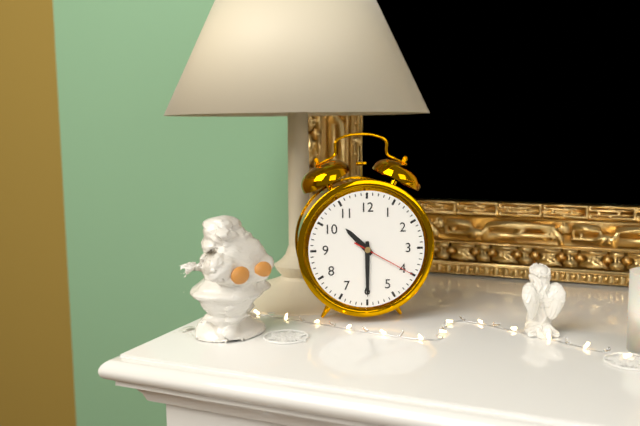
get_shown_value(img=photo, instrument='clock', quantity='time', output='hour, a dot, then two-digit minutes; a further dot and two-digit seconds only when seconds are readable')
10.30.20
